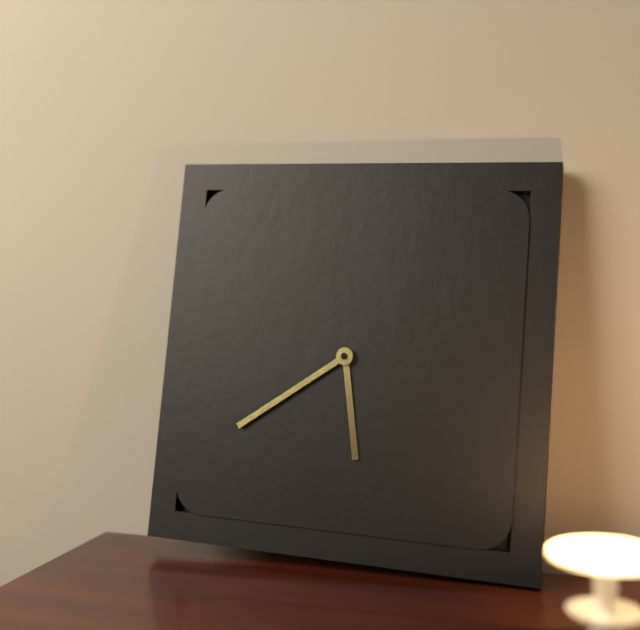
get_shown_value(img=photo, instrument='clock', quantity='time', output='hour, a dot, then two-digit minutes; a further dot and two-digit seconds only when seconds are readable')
5.39
